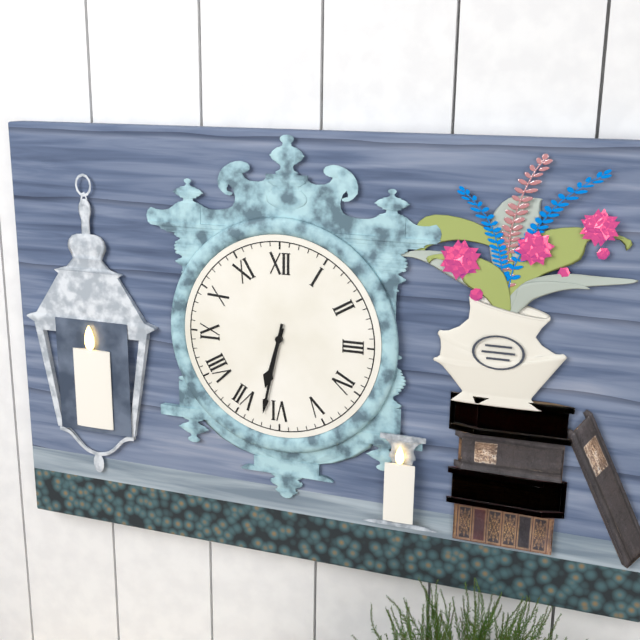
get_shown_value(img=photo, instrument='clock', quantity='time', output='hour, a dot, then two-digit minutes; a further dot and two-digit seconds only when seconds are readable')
6.32
